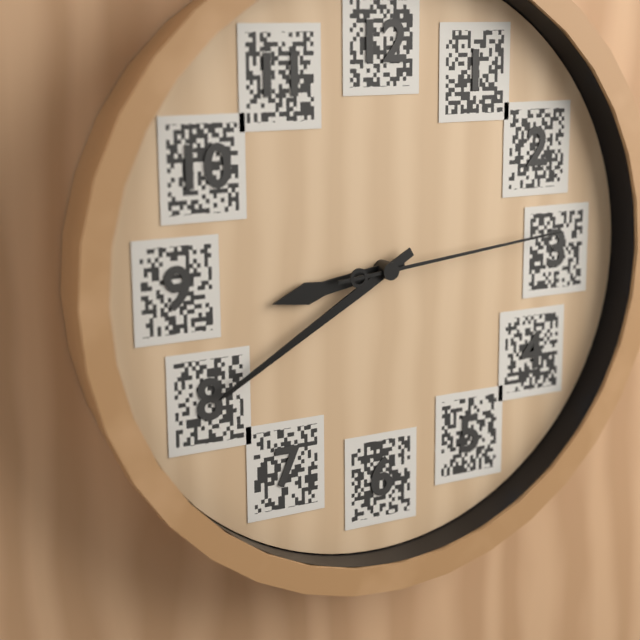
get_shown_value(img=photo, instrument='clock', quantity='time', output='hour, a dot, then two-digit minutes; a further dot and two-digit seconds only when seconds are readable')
8.40.14
